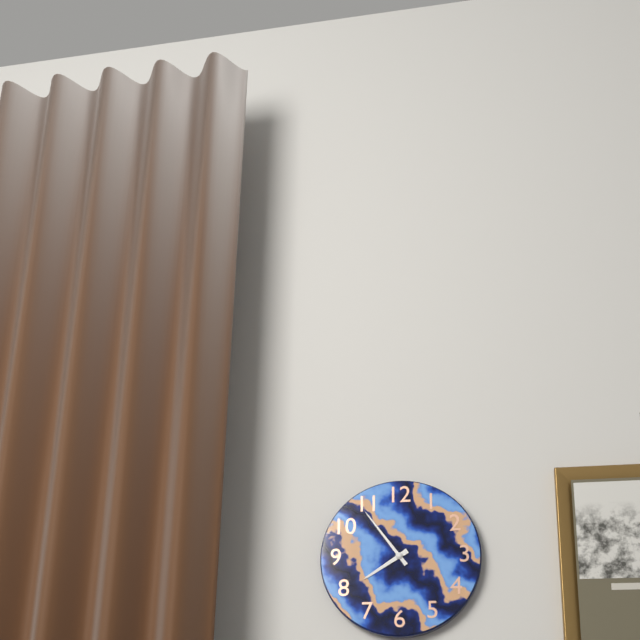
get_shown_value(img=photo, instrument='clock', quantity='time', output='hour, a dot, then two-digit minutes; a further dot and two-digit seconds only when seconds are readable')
7.54
